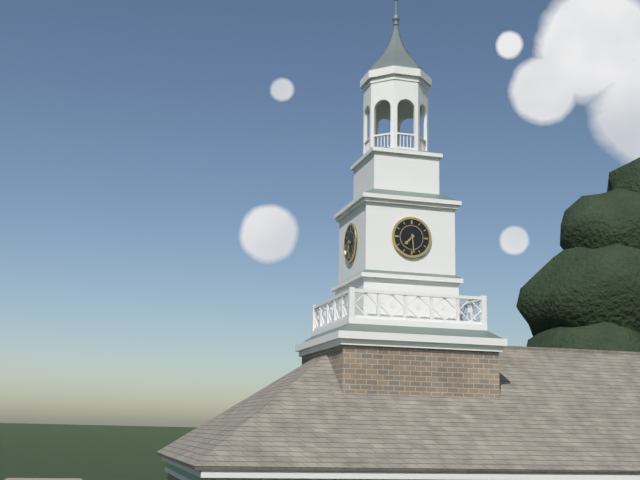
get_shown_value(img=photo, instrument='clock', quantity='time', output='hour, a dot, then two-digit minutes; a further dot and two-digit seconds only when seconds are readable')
7.29
